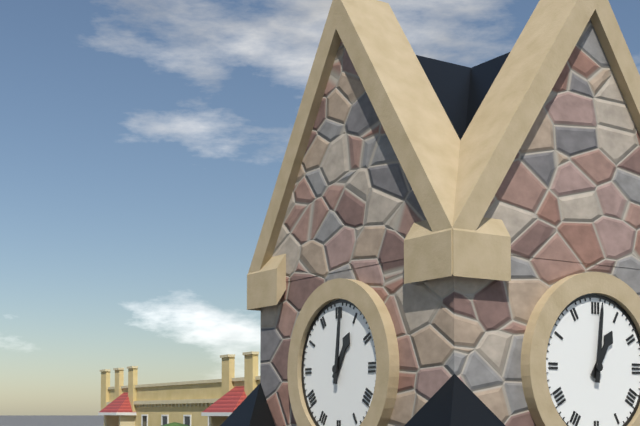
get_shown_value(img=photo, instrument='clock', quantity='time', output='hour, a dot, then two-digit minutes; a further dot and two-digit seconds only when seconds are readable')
1.01
